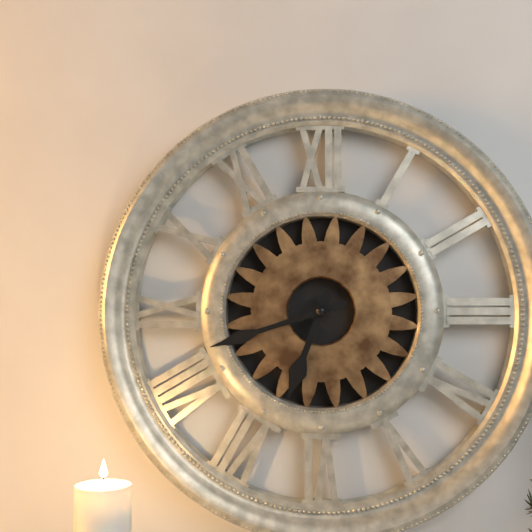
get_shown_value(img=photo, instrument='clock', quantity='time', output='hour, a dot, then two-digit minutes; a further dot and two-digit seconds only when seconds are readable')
6.42
